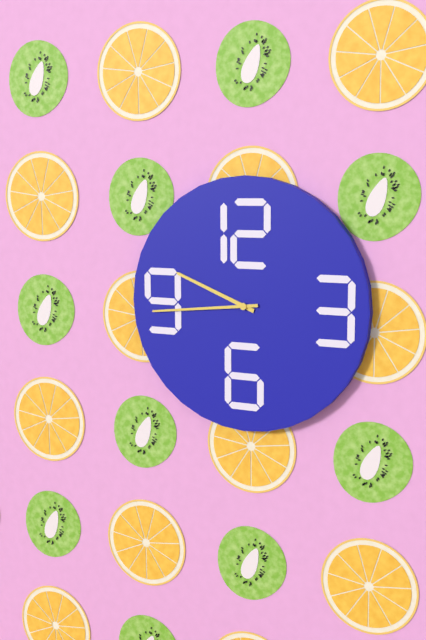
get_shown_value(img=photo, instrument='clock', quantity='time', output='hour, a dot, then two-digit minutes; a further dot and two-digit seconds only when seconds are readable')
9.44
